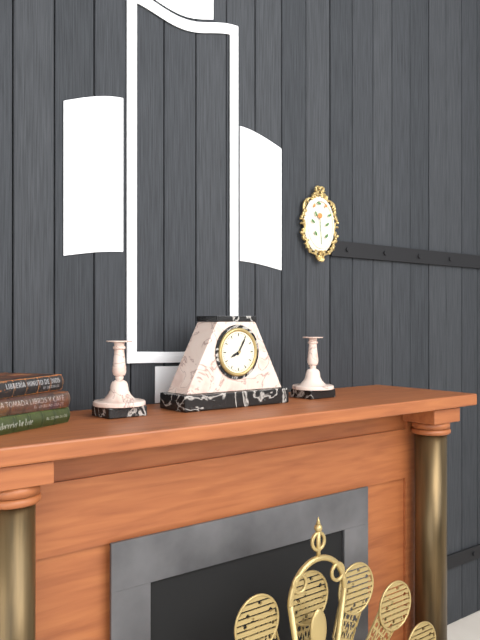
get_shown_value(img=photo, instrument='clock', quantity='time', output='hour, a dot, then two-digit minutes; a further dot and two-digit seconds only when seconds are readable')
8.05
